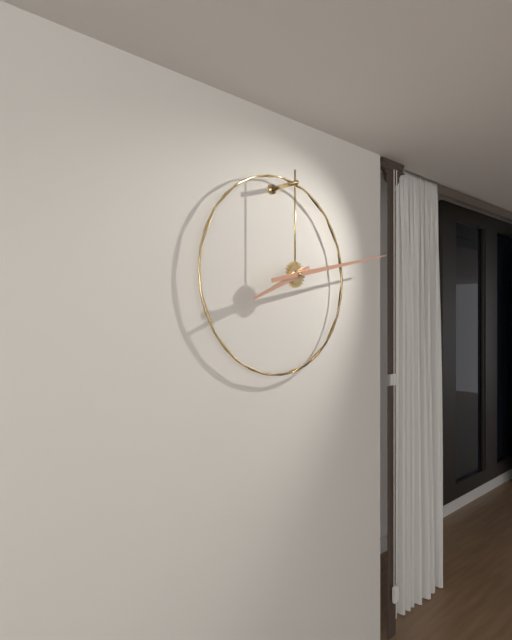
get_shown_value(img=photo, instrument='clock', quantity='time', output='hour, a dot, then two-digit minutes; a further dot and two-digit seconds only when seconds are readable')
8.13
